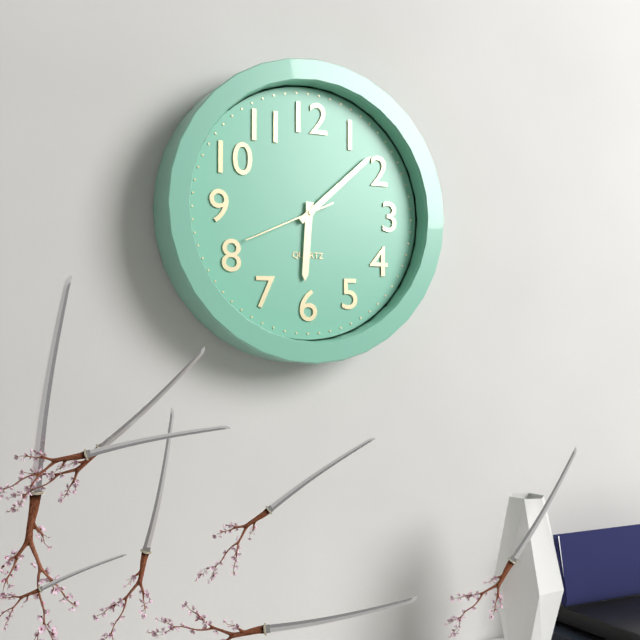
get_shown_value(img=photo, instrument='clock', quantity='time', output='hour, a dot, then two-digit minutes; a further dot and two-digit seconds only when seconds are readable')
6.08.41
